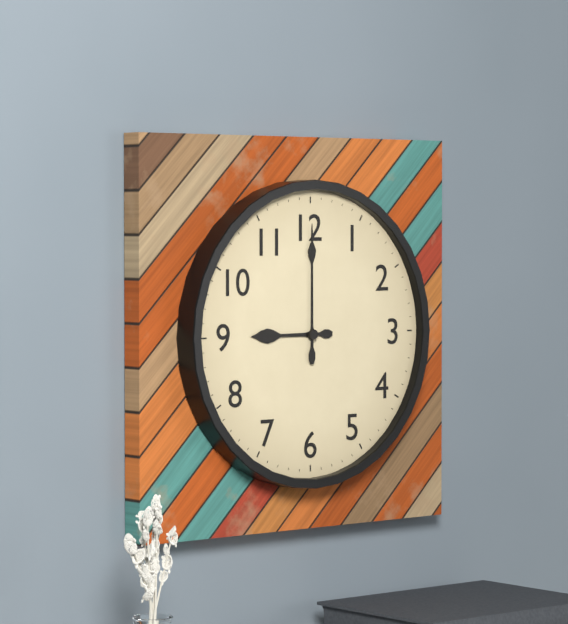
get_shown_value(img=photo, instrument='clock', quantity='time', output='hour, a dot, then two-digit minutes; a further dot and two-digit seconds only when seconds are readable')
9.00
